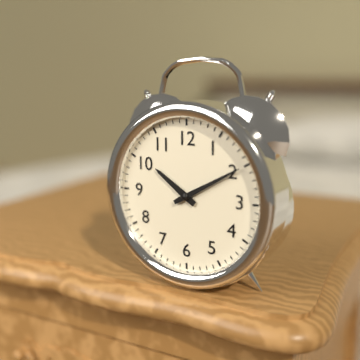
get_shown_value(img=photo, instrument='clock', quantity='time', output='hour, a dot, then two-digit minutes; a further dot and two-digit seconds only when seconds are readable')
10.10
